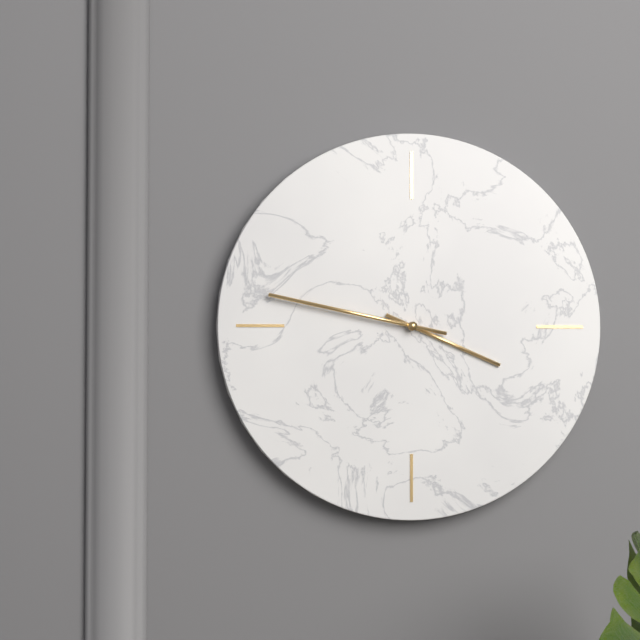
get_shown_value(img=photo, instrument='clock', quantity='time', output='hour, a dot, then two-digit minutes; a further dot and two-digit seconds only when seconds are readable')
3.47
